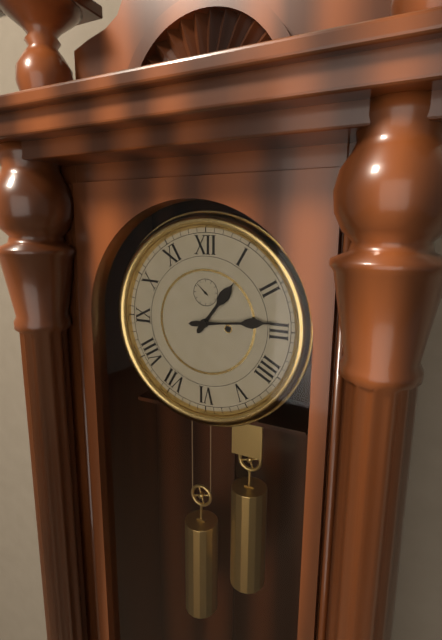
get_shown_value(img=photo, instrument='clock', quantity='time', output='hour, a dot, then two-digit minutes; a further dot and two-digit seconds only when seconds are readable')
1.14
